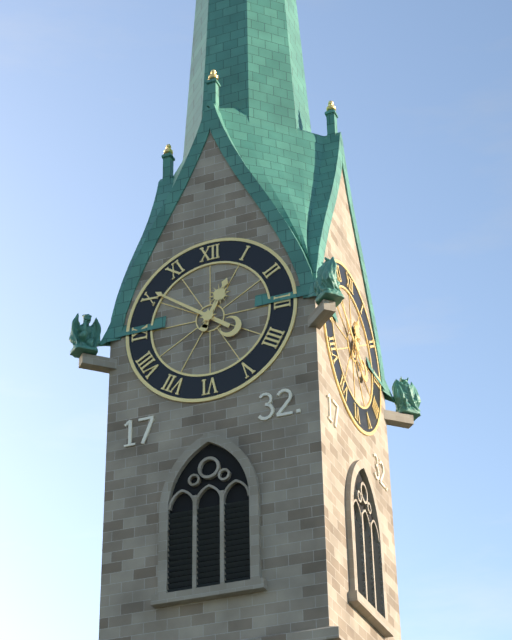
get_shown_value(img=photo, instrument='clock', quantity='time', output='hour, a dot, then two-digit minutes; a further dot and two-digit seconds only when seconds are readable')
12.51
